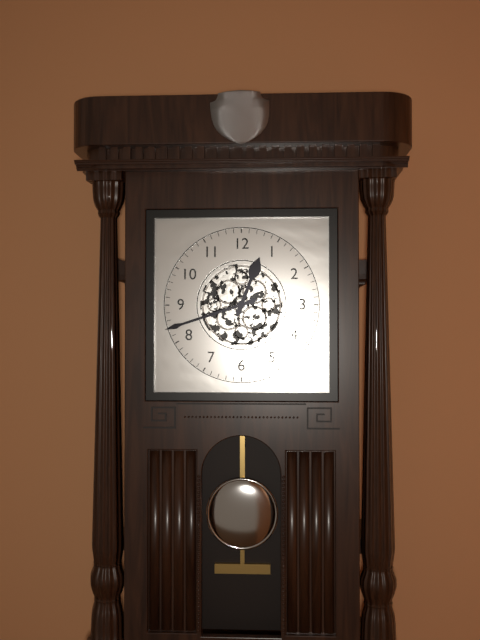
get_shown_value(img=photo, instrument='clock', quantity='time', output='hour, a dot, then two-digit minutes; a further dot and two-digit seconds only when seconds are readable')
12.42
